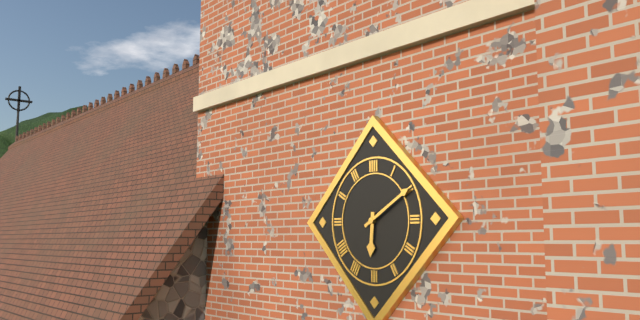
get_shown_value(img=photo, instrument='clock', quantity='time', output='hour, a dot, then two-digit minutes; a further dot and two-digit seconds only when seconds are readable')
6.10
